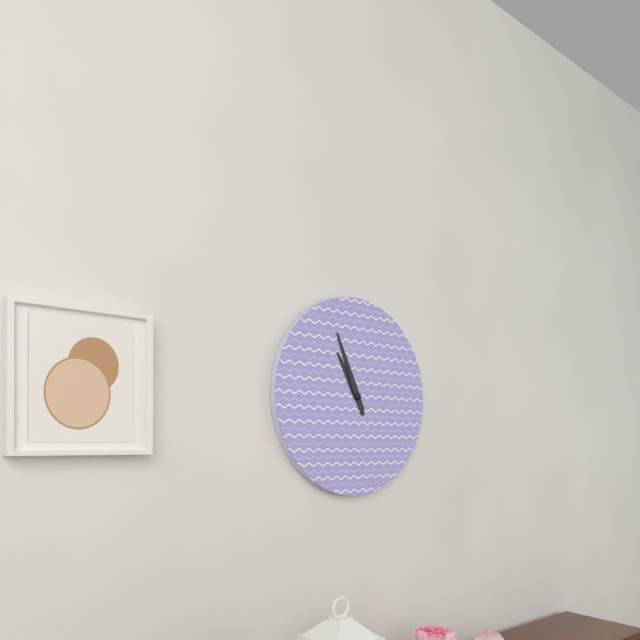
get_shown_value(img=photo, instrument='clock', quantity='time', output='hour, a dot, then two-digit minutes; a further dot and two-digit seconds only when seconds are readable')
10.56
